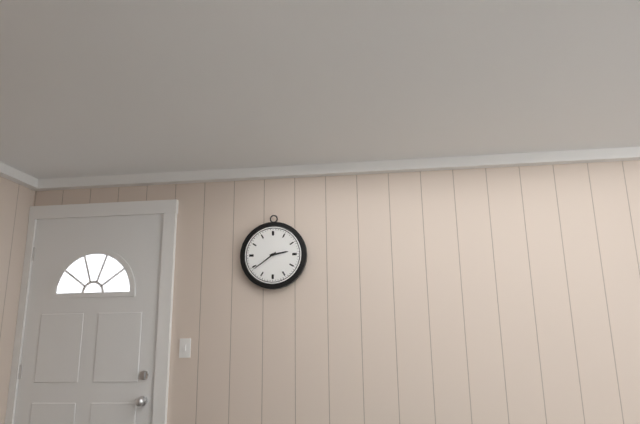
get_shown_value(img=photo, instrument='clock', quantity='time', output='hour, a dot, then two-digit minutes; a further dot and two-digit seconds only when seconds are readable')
2.39
